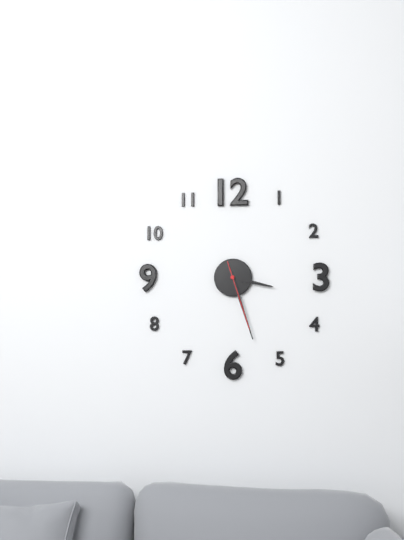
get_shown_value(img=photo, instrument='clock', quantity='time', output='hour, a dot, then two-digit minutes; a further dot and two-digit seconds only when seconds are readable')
3.27.27
